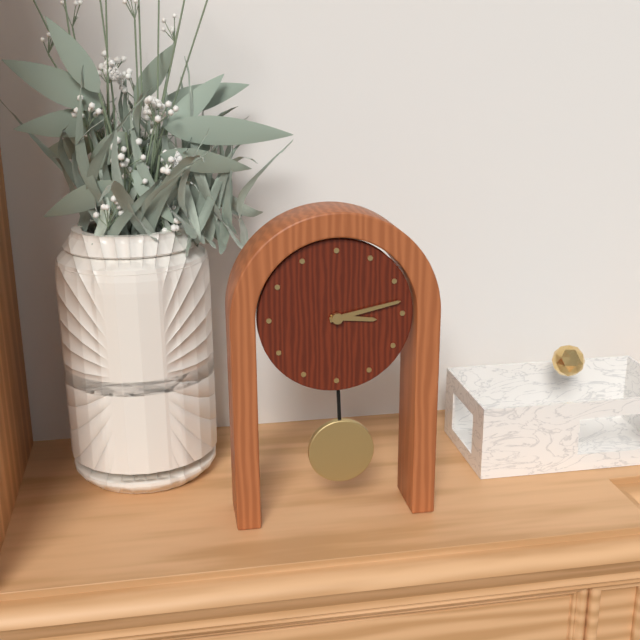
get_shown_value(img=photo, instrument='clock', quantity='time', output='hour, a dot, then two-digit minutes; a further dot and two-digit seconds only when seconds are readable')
3.13
